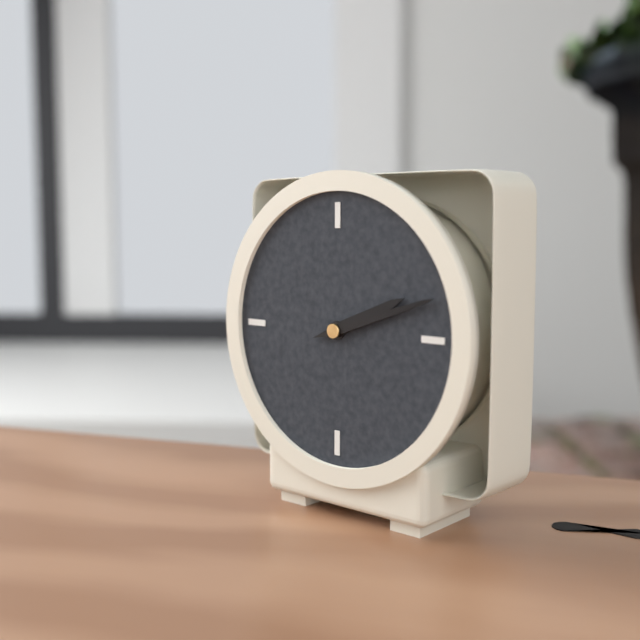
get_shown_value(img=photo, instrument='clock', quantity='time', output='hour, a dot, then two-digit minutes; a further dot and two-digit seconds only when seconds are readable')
2.12
